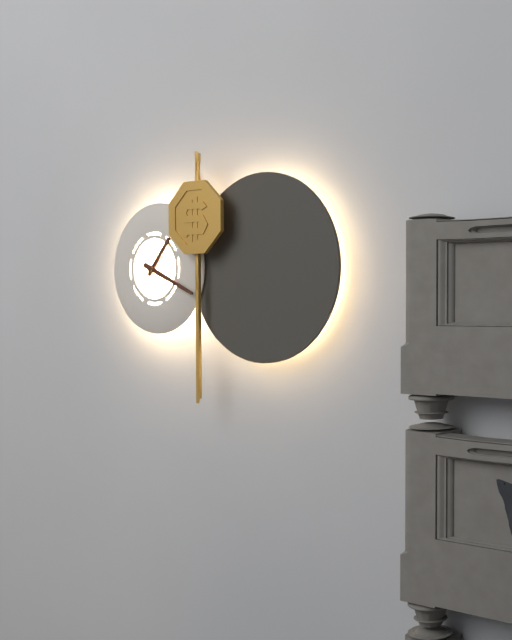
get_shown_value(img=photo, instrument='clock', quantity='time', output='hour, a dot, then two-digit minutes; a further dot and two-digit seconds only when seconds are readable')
1.19
